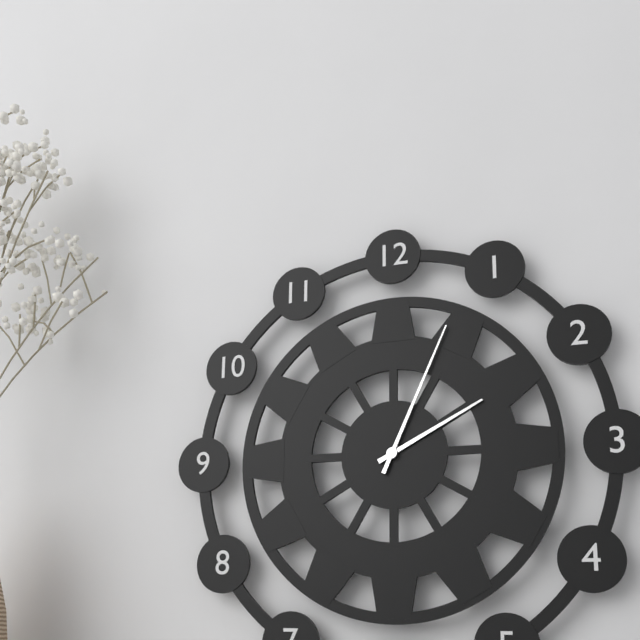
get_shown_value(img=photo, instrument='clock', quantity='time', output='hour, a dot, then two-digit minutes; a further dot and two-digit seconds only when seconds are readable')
2.04
